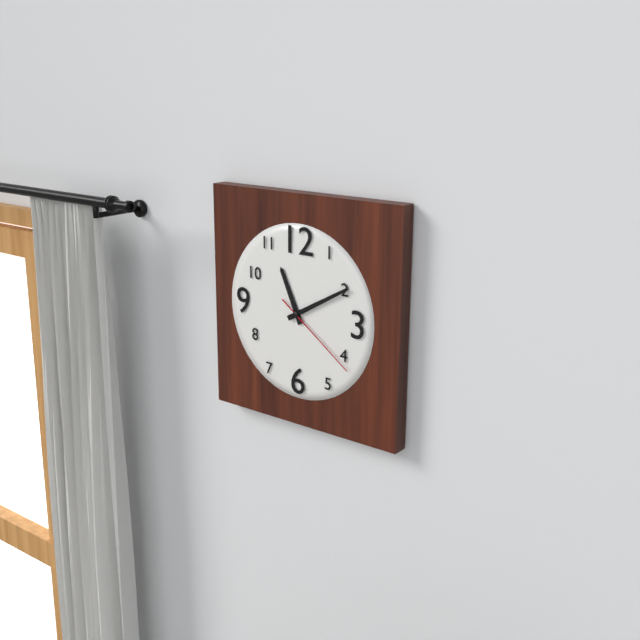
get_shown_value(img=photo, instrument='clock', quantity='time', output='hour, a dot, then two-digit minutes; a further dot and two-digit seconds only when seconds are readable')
11.10.21
